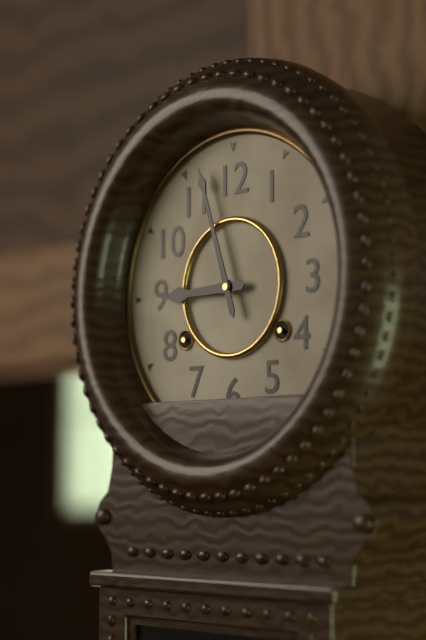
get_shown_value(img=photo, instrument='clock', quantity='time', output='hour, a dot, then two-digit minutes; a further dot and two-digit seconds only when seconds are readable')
8.57
